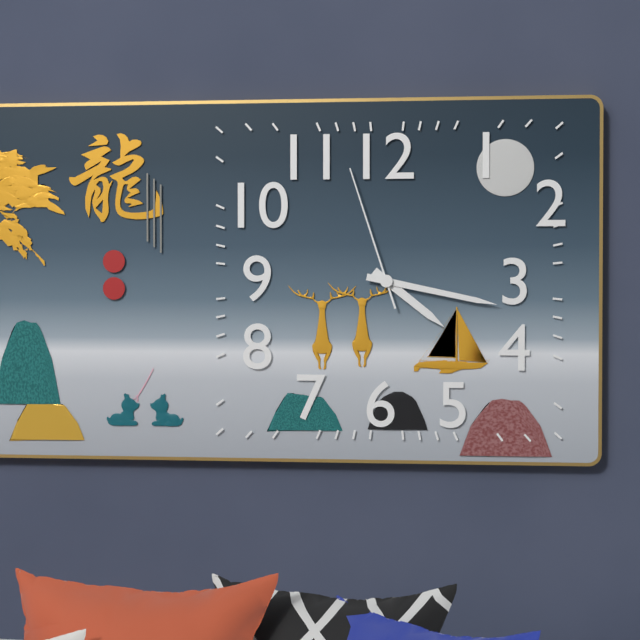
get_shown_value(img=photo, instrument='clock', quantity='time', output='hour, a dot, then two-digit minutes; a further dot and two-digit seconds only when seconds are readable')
4.17.57
